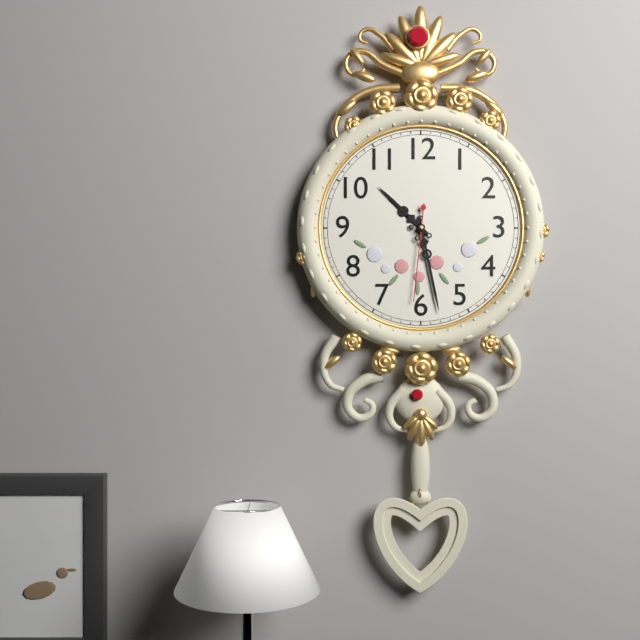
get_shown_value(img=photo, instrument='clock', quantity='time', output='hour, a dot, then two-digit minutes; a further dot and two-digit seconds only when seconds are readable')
10.28.31
